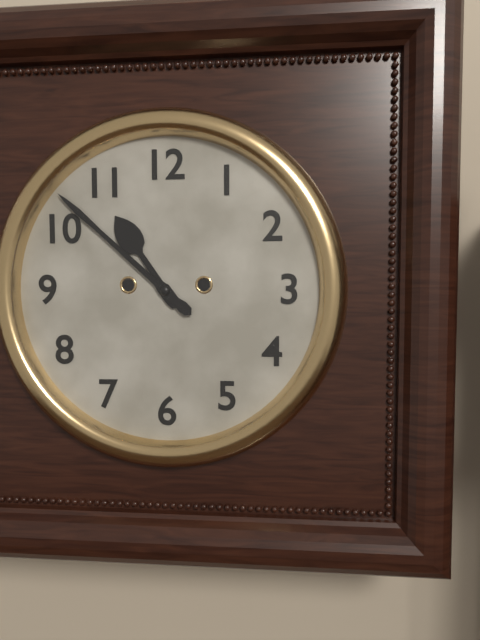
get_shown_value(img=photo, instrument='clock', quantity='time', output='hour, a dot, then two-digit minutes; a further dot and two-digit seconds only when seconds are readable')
10.52
